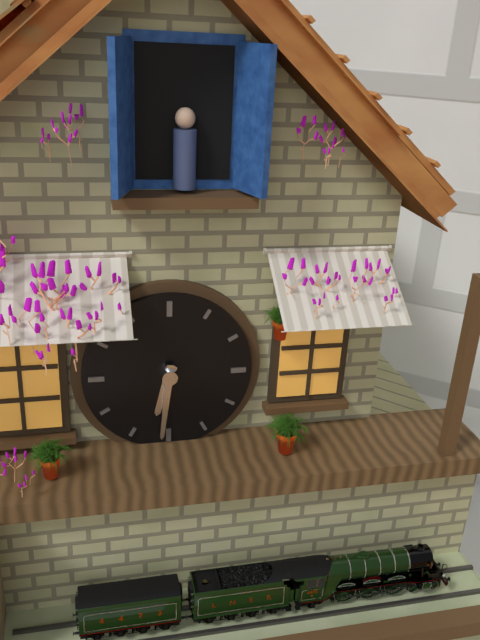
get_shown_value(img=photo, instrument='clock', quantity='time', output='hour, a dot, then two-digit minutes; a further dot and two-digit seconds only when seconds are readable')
6.31
